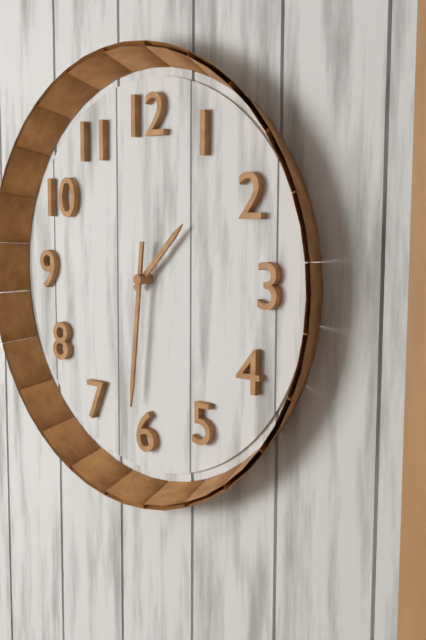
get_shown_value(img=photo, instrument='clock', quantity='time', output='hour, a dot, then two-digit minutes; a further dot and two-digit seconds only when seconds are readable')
1.31
